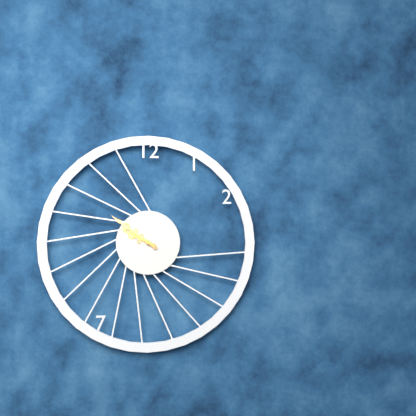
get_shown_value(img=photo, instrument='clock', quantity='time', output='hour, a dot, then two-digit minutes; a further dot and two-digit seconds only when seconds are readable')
9.51
